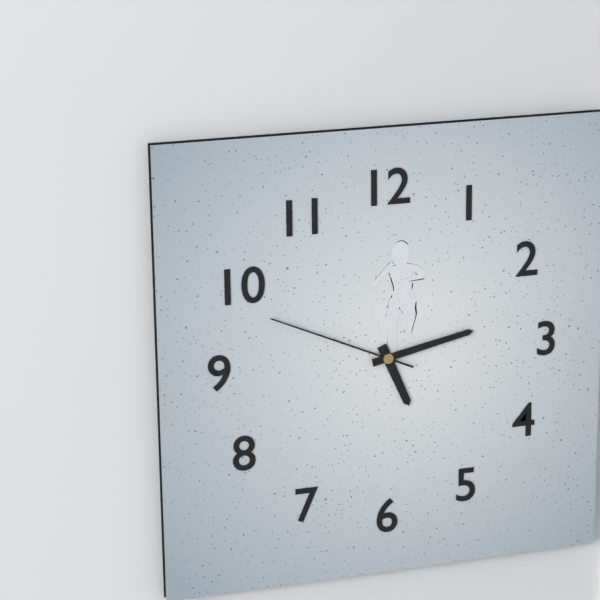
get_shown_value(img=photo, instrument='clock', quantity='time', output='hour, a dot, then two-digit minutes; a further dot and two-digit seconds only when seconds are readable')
5.13.49
